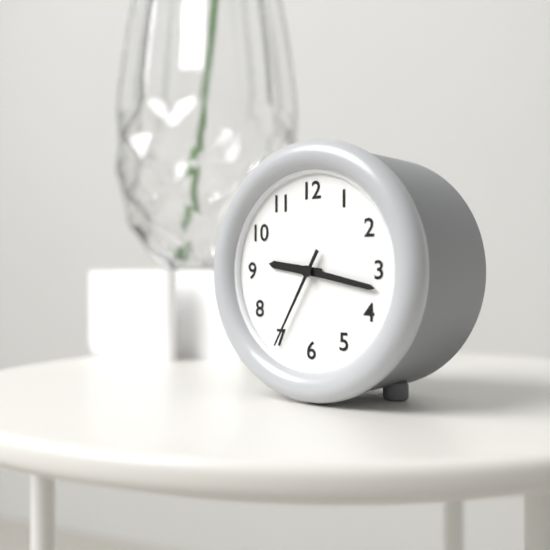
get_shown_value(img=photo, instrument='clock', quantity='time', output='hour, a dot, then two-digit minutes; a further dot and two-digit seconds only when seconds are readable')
9.17.35
